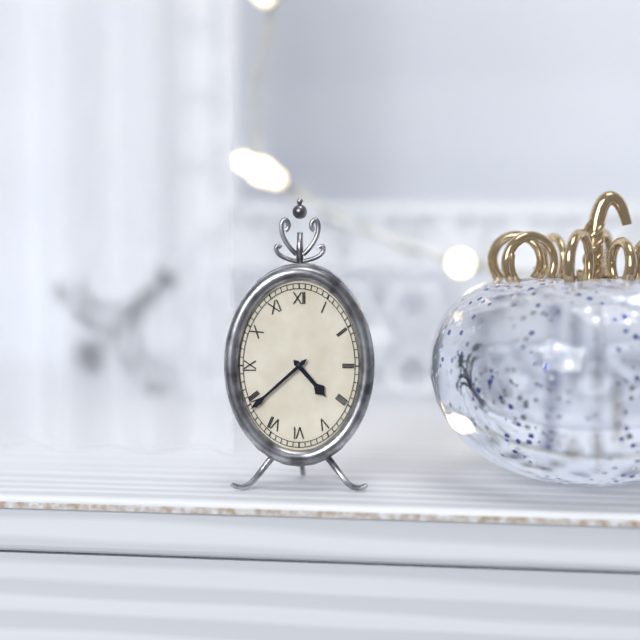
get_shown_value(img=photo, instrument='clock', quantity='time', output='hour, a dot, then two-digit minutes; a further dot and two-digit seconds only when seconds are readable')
4.38
